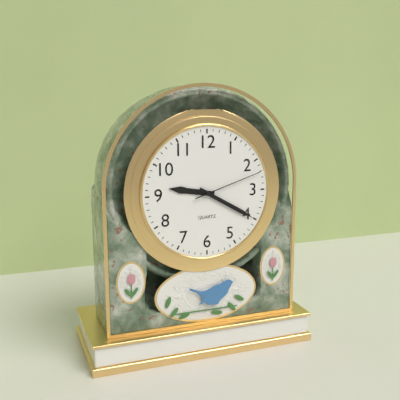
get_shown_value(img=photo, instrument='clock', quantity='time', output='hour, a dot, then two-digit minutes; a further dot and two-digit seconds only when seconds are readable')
9.20.12
